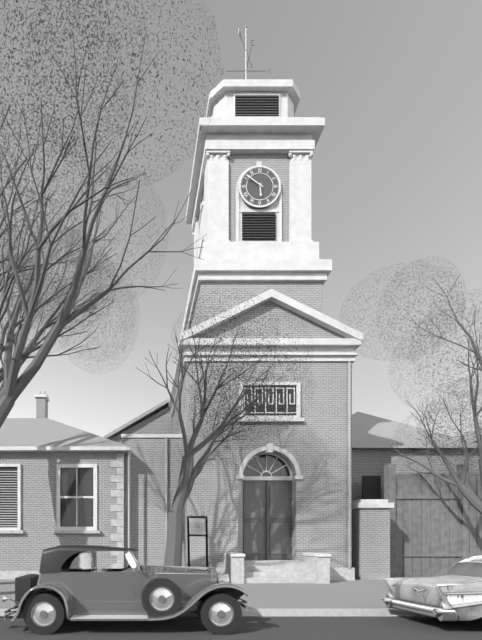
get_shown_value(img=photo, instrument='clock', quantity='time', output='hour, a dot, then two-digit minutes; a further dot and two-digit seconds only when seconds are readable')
5.51
